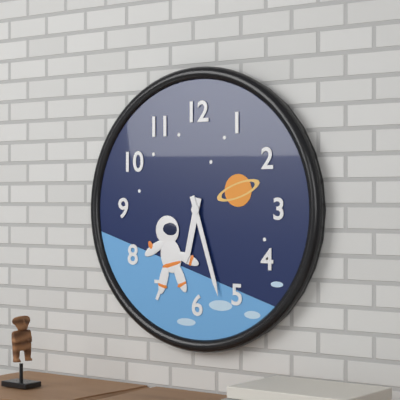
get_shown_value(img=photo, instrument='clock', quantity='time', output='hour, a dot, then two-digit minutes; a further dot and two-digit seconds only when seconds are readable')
6.27
